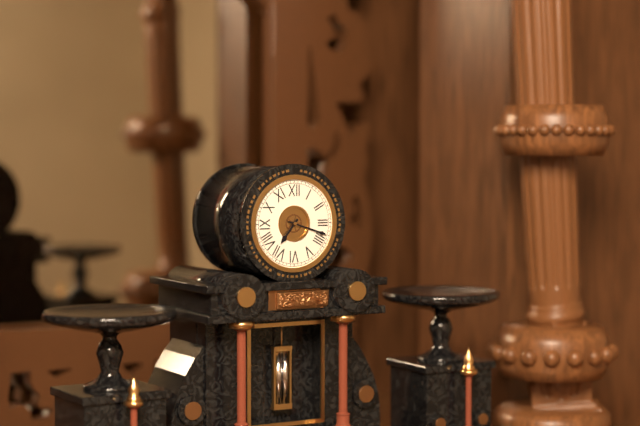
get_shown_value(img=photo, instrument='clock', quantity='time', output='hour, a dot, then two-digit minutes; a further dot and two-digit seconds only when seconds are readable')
7.18
